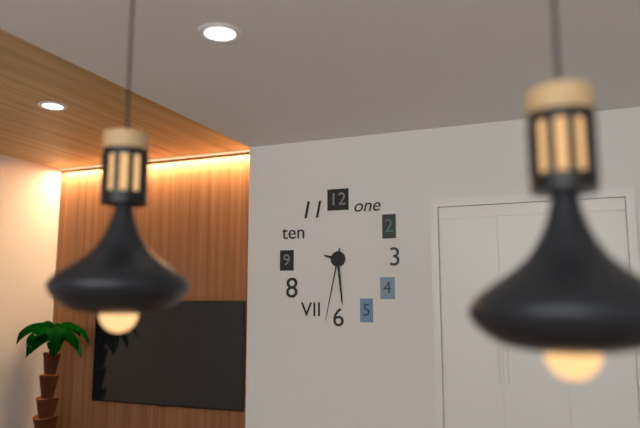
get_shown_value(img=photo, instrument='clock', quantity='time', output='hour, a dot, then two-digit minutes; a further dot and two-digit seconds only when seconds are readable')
9.29.32
